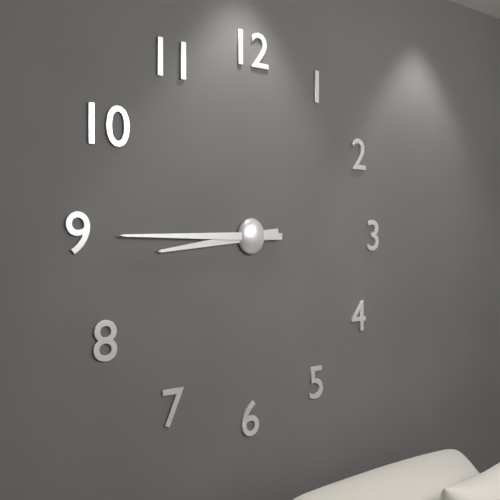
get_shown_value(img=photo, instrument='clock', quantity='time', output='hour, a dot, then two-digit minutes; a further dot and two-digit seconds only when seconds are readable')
8.45
